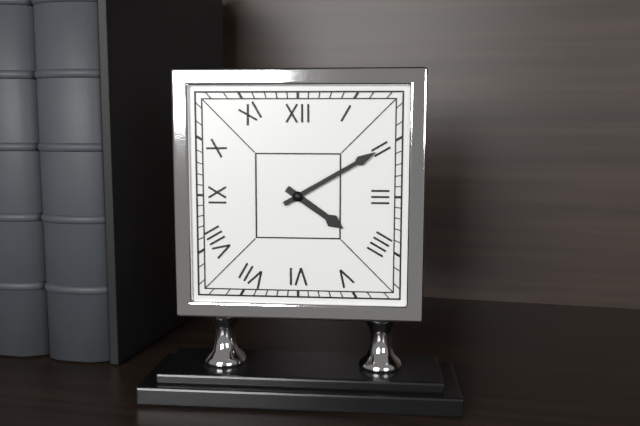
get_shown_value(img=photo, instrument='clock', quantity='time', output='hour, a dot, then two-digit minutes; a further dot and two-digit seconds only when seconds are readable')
4.10
